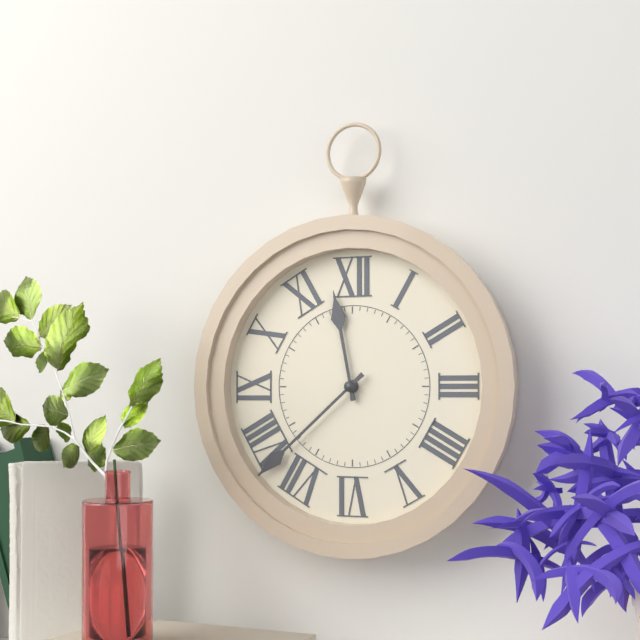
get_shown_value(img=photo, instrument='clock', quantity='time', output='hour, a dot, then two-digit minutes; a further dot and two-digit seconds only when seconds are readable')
11.38
